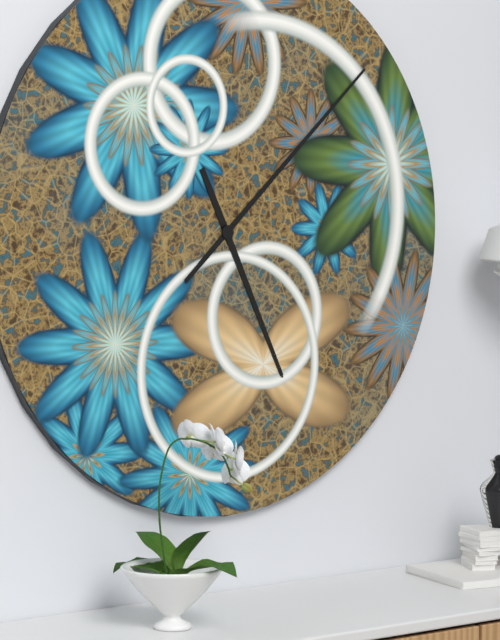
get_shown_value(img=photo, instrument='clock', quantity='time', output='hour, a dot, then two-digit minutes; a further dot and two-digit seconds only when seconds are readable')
5.08
